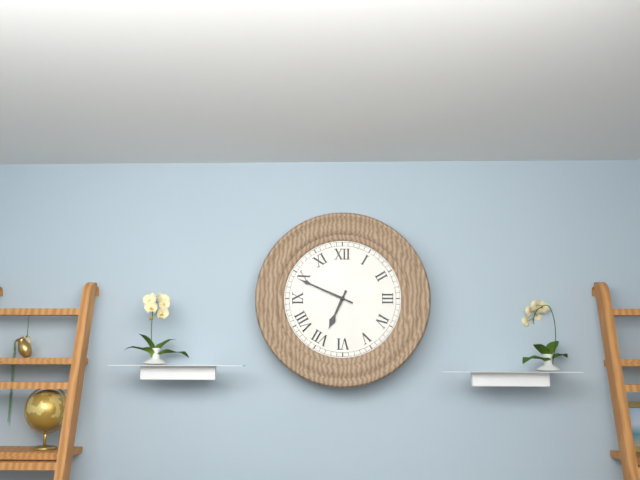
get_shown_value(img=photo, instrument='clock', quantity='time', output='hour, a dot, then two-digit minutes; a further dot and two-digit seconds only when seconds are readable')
6.49
